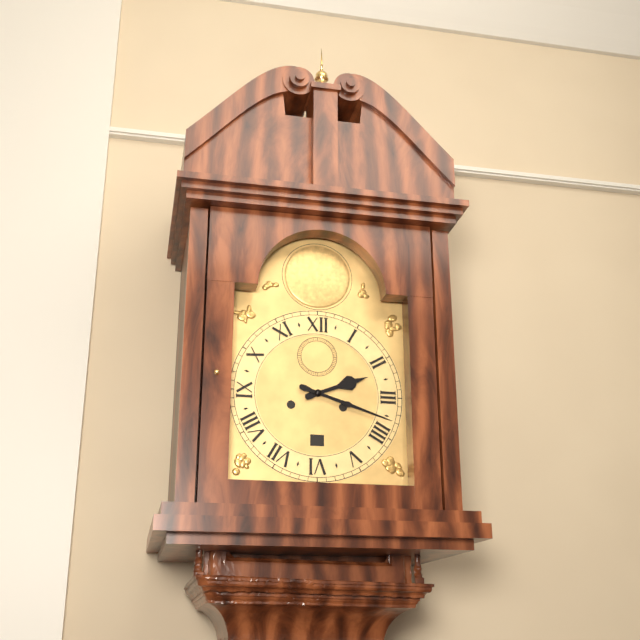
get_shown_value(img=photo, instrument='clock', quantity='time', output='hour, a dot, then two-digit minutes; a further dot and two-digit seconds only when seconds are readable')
2.18
